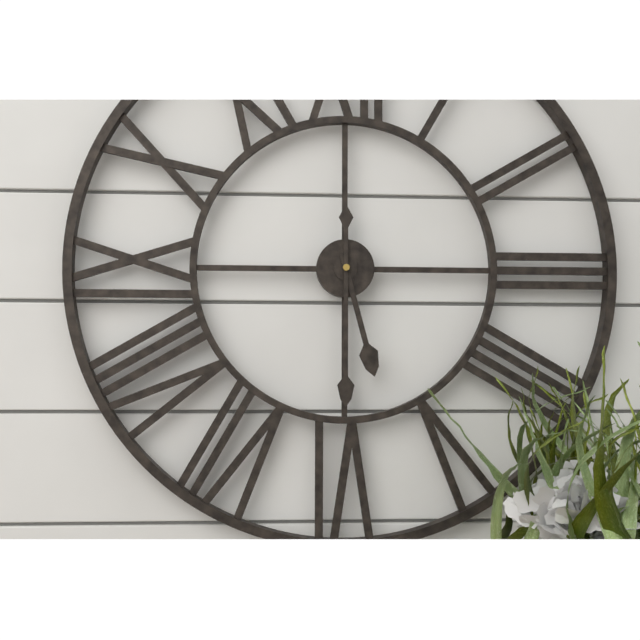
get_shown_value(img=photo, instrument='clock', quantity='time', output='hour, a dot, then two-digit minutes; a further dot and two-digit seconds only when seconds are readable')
5.30
